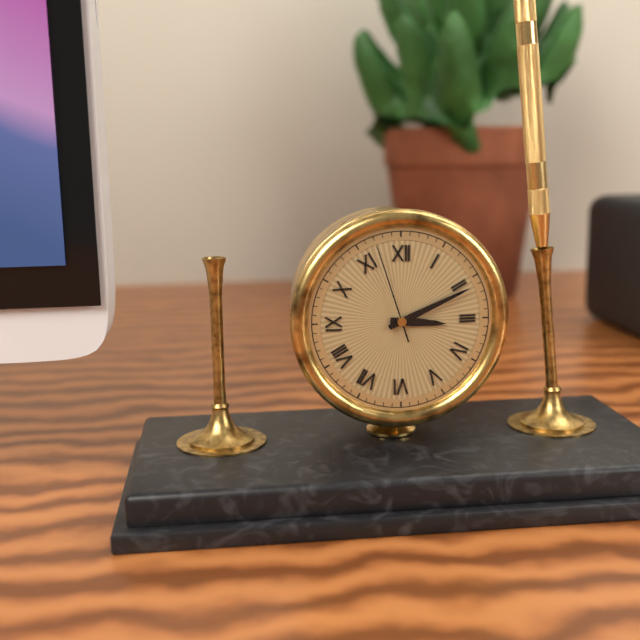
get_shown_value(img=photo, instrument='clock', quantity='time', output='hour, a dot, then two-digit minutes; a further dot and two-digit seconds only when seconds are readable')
3.11.57
